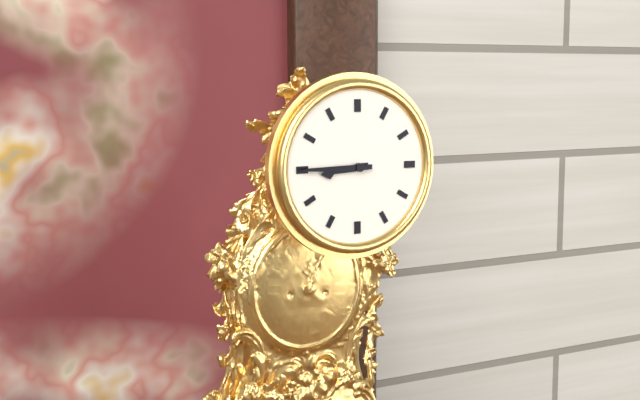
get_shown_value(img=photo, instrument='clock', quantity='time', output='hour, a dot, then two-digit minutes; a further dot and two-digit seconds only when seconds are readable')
8.45
